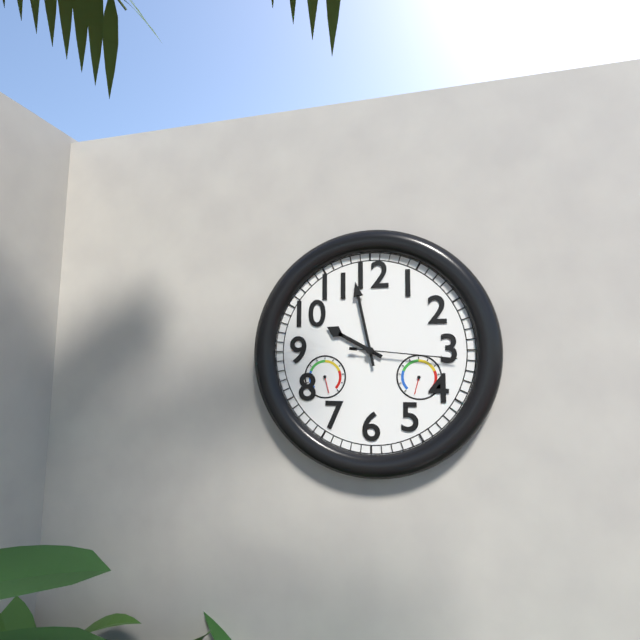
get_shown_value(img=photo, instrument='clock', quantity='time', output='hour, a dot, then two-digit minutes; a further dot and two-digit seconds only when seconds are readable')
9.58.16
